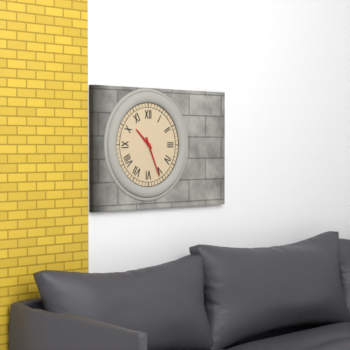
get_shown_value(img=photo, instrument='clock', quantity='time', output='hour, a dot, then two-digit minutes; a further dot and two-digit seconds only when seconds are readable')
10.26
